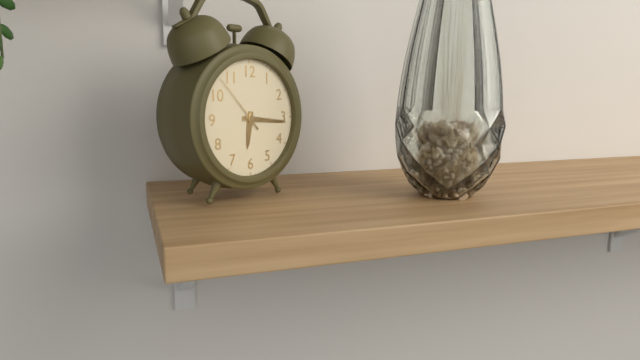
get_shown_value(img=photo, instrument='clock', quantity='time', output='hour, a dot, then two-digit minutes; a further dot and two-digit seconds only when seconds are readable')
6.16.53
